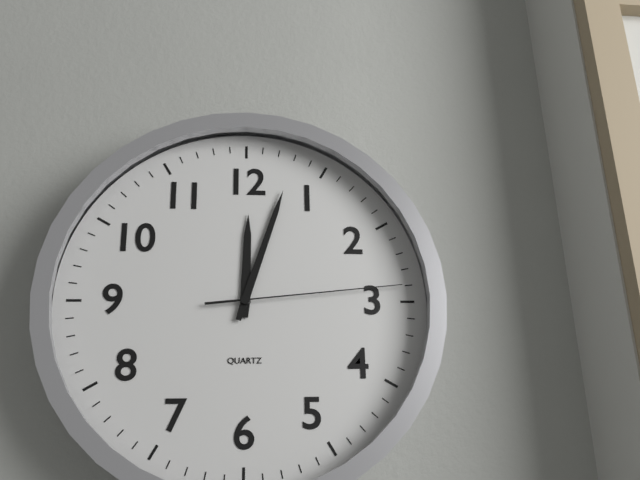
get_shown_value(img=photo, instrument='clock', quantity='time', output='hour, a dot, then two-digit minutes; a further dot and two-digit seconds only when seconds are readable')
12.03.14
